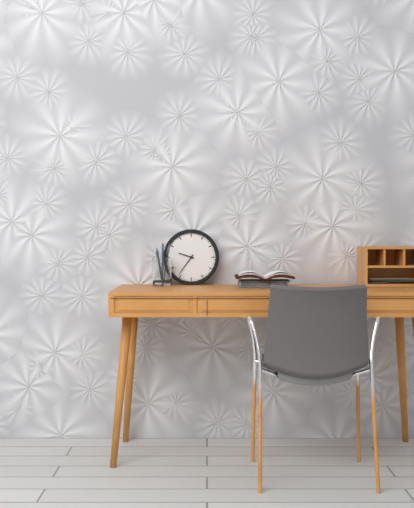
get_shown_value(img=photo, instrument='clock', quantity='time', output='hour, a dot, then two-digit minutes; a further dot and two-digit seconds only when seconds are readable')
9.36
